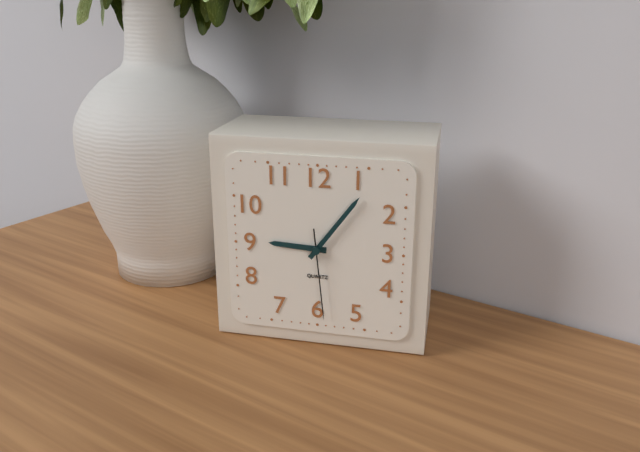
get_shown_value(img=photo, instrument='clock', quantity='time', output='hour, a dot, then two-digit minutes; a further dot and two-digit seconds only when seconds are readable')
9.06.29
